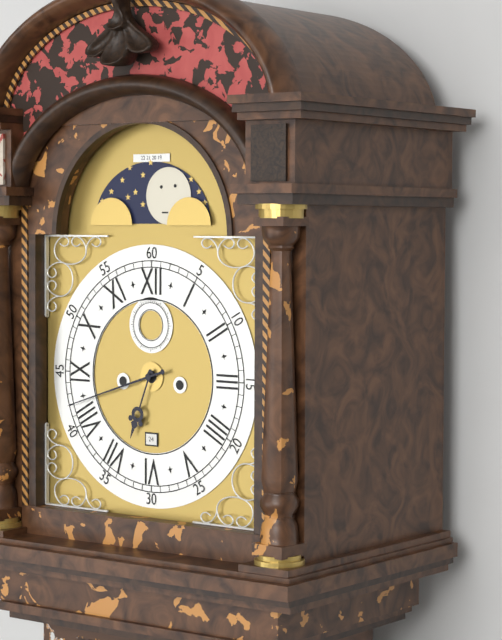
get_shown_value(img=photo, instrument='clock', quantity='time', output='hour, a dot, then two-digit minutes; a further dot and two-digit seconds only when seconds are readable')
6.42
